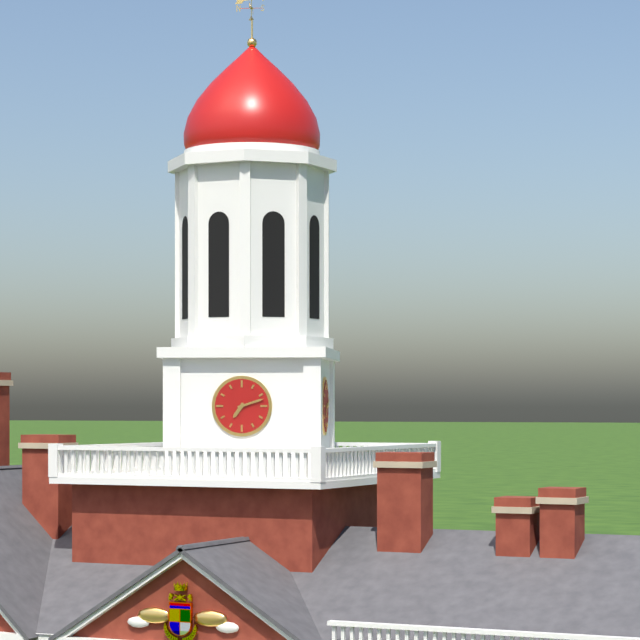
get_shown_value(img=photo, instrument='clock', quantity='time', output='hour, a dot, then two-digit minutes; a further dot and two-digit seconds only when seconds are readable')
7.12
